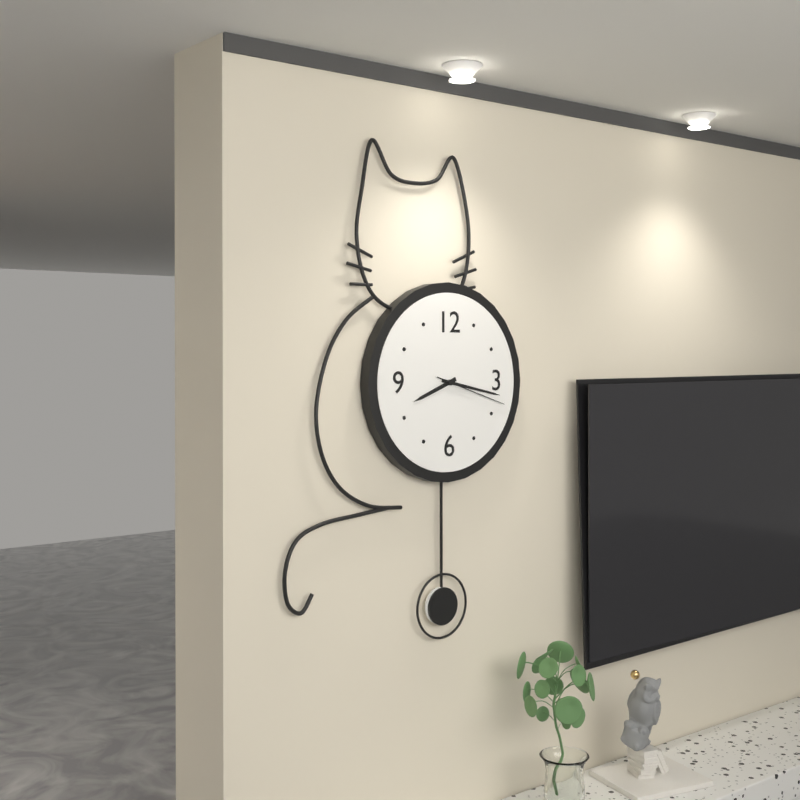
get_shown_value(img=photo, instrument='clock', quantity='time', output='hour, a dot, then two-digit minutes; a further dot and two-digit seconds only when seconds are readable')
8.17.18
